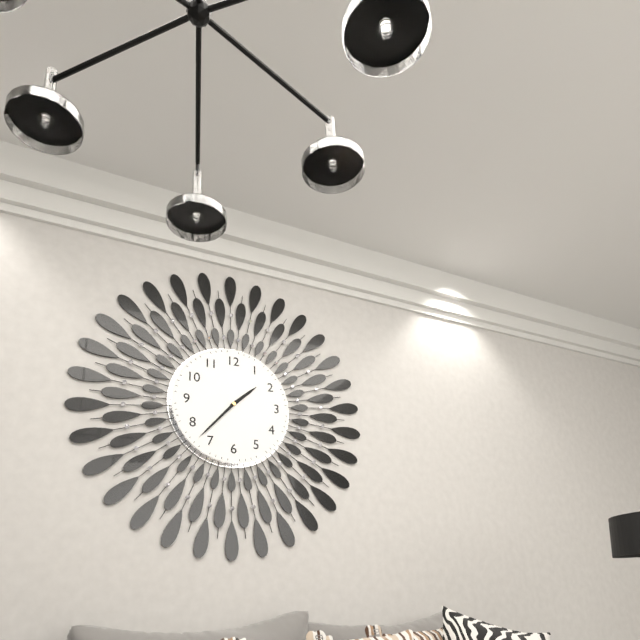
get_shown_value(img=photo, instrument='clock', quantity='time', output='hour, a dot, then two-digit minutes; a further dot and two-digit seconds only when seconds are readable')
1.37
